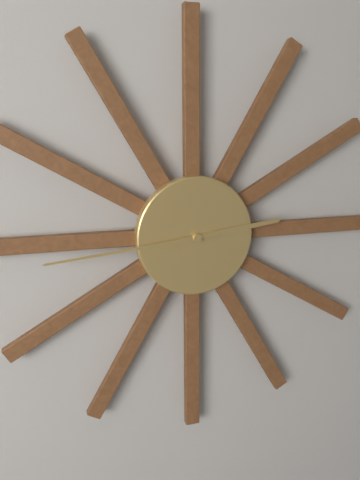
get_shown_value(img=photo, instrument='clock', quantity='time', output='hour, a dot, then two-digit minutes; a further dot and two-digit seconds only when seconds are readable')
2.44
